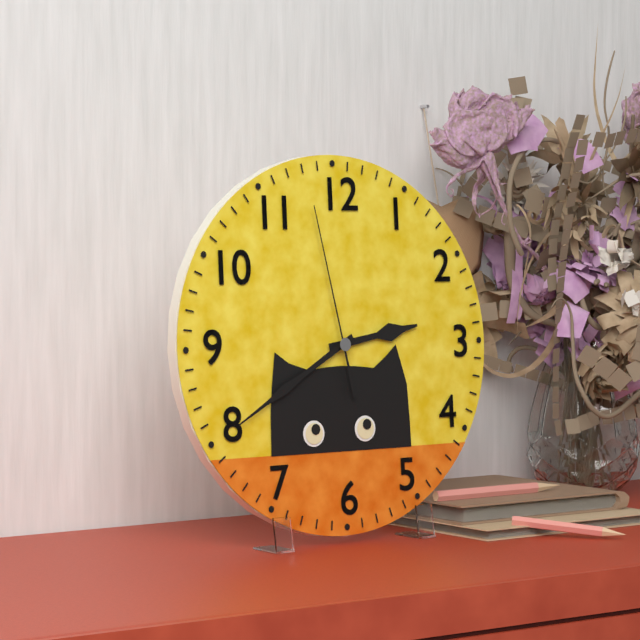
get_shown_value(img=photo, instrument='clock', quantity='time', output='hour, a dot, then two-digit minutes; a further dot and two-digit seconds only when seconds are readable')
2.40.58
